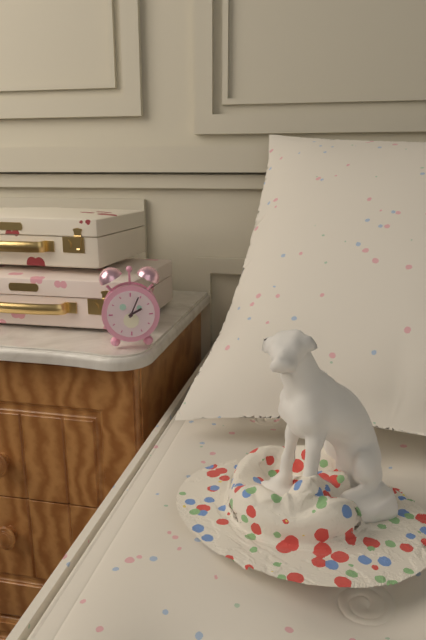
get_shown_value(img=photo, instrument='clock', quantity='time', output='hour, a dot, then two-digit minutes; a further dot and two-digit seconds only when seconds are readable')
2.04
